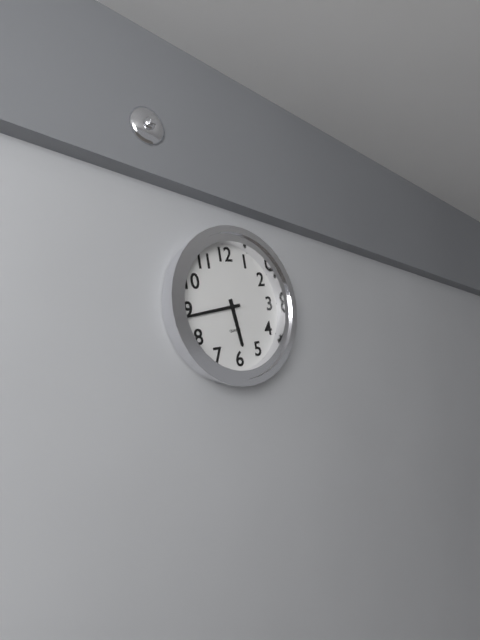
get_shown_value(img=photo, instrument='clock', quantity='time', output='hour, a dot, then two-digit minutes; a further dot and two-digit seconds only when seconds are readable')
5.44
